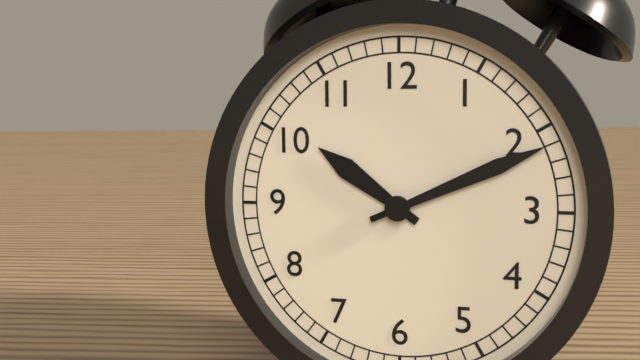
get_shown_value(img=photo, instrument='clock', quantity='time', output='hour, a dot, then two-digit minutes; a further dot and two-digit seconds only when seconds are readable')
10.11
